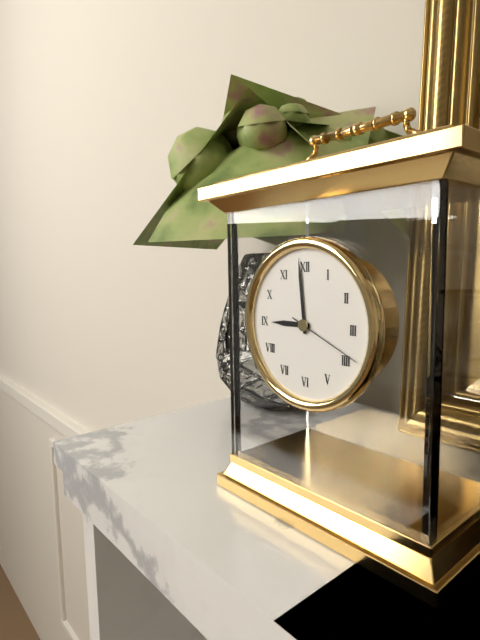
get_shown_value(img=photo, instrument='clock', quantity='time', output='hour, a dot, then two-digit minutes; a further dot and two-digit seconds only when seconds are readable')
8.59.19
